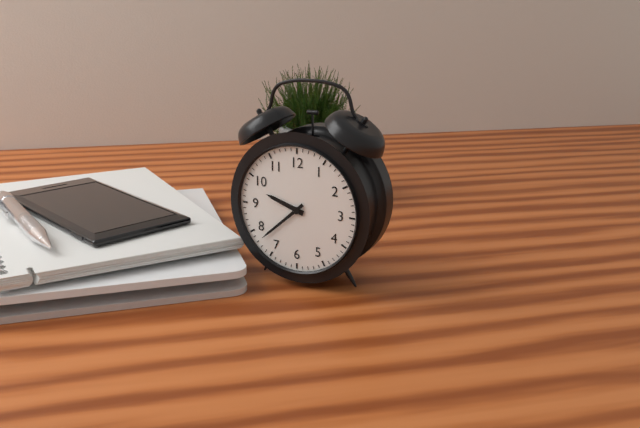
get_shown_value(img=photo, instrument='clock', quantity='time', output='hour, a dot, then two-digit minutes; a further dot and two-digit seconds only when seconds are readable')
9.38
